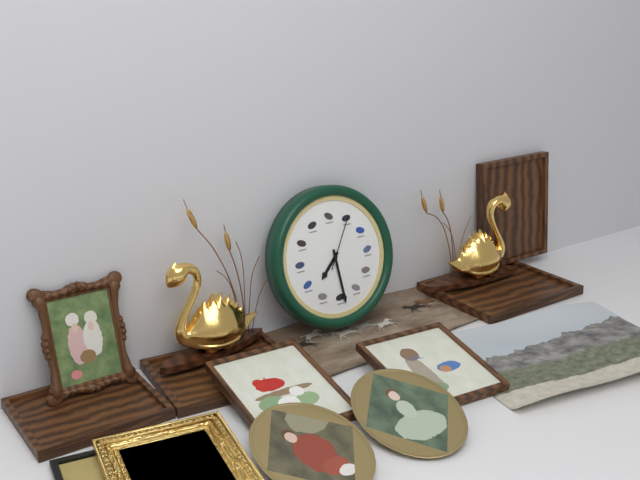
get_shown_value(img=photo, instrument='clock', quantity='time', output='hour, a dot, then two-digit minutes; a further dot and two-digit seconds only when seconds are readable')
7.29.05
